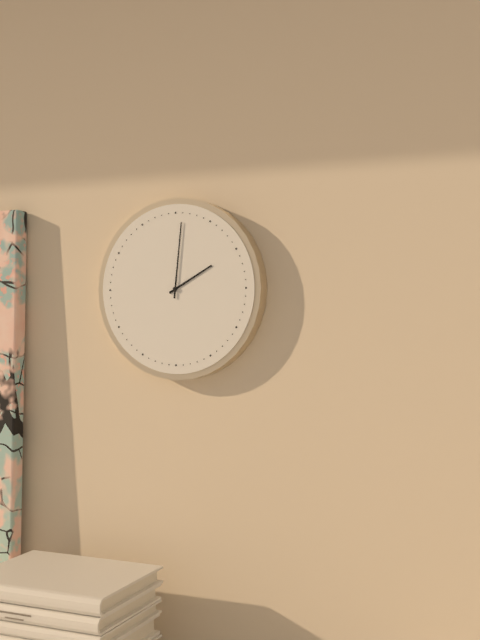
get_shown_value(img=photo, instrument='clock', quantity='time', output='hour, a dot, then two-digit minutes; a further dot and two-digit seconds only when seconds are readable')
2.01
